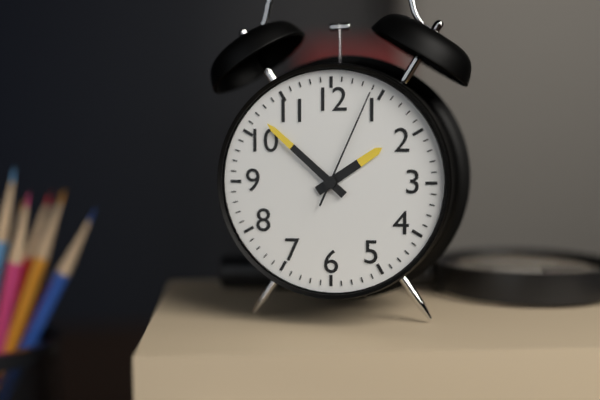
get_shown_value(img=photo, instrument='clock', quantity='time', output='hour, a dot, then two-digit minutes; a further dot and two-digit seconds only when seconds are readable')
1.52.04
